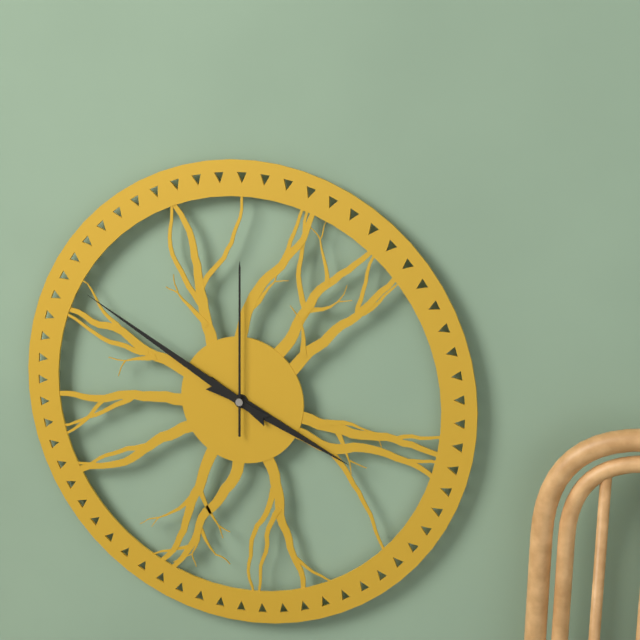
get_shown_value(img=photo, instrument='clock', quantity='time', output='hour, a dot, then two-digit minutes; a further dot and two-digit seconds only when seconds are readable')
3.50.00
